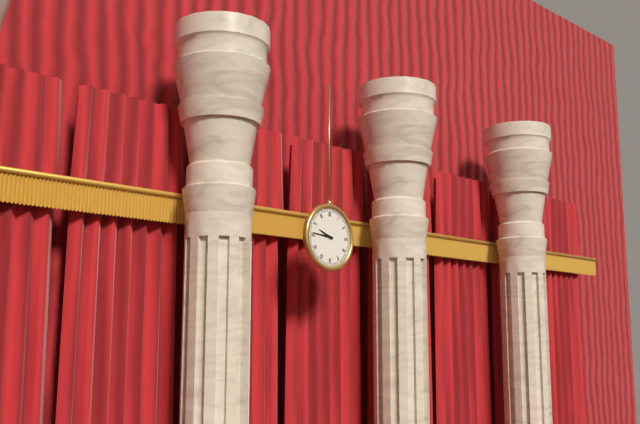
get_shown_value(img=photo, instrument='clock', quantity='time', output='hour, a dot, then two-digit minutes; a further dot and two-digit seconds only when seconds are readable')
9.46
